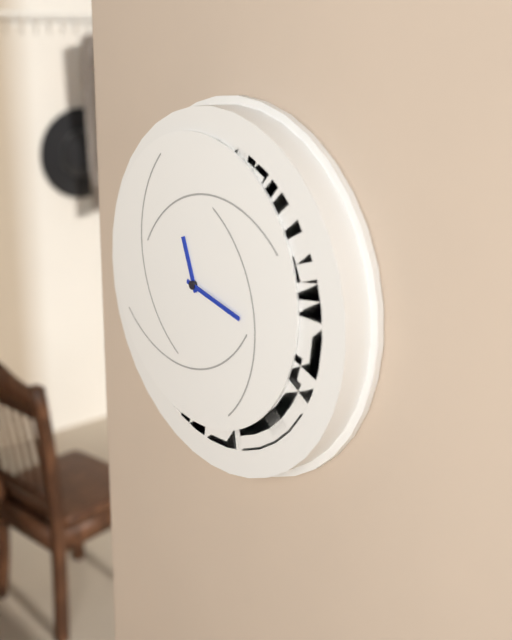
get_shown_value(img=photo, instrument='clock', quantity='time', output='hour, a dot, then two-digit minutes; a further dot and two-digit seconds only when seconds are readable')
11.17
